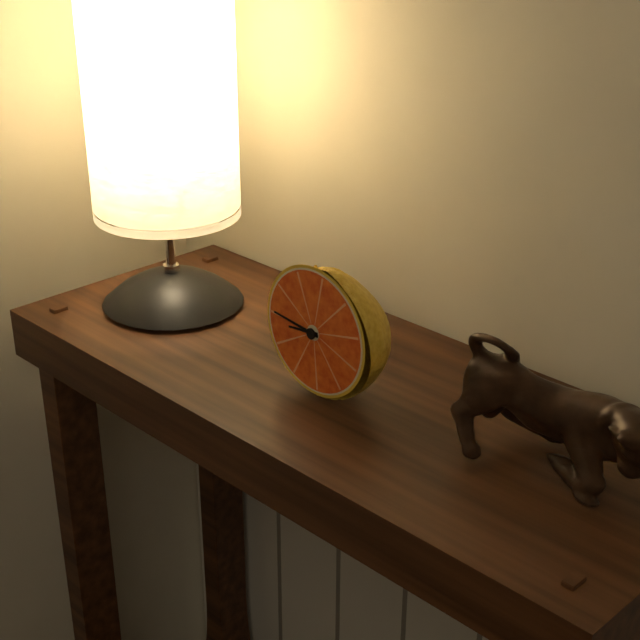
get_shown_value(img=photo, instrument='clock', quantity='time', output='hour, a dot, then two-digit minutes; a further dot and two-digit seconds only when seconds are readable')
8.46
